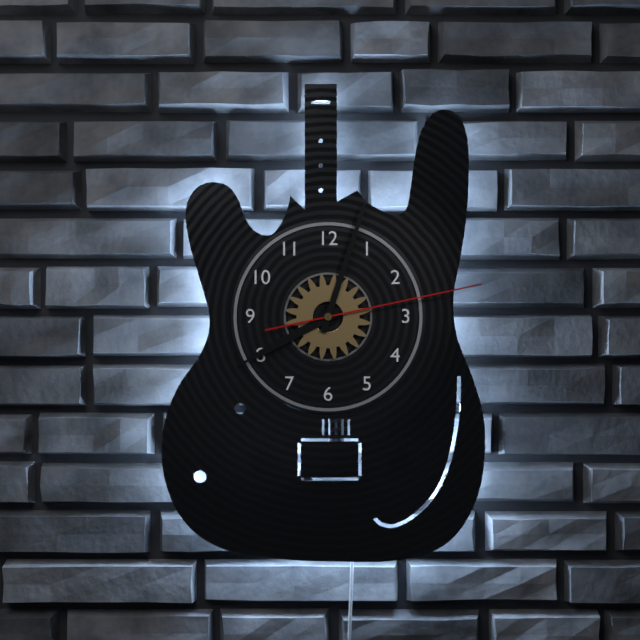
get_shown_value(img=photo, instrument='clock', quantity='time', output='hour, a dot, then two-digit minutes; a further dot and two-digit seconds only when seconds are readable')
8.03.13
